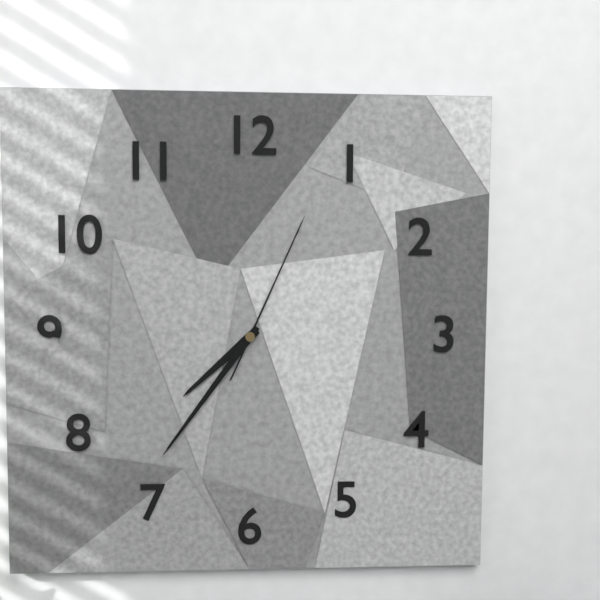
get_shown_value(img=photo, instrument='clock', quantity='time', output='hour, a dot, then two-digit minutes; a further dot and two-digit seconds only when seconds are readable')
7.36.04
